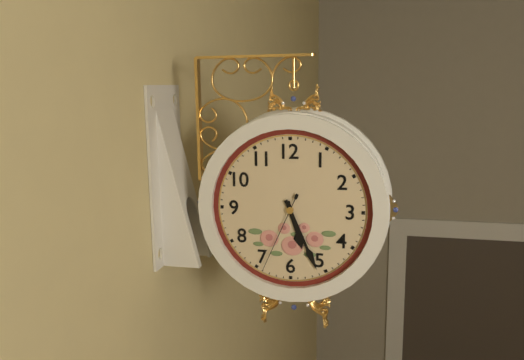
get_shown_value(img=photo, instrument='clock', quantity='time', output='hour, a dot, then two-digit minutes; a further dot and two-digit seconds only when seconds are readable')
5.26.34
